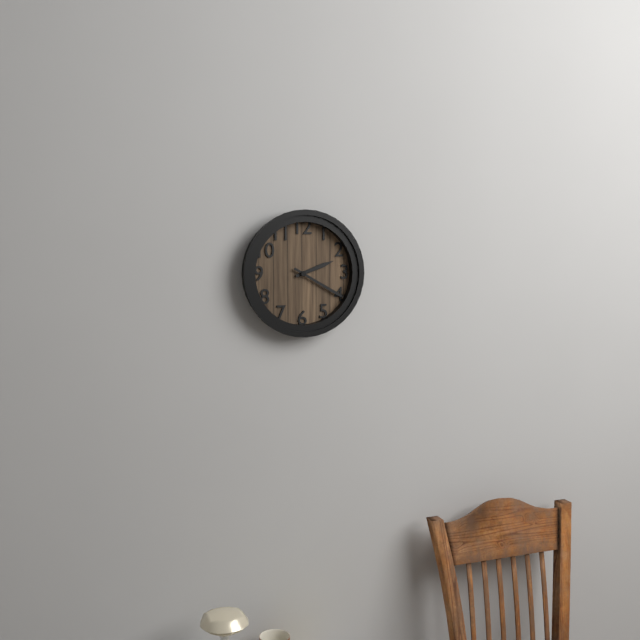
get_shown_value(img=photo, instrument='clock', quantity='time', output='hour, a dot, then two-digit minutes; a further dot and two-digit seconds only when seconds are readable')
2.20
